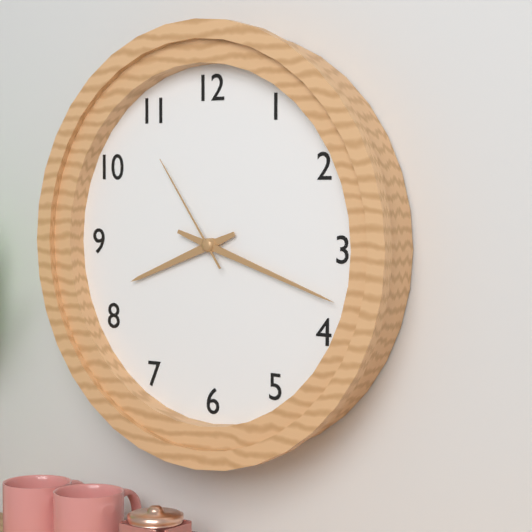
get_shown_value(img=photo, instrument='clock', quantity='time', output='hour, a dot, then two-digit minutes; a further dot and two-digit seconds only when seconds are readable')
8.18.54
